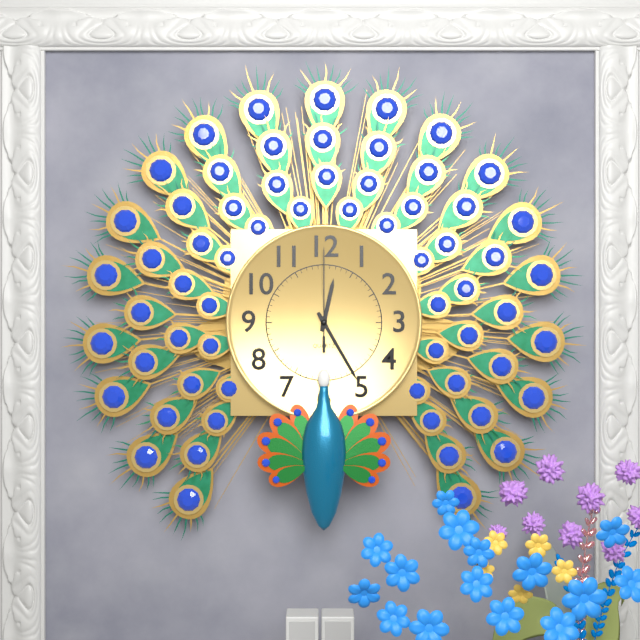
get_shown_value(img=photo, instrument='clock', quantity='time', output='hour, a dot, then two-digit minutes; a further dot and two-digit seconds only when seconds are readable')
12.25.00
